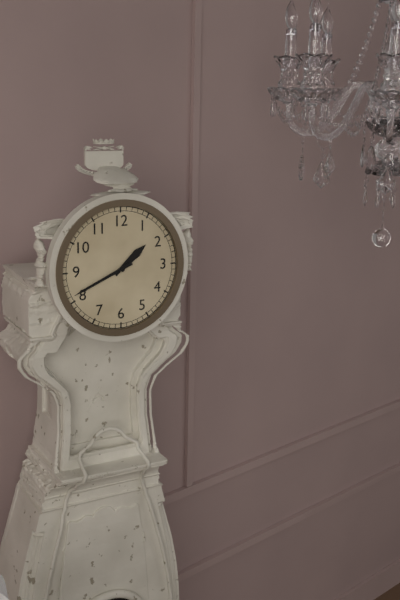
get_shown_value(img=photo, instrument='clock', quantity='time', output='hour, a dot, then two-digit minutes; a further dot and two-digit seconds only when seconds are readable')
1.41
